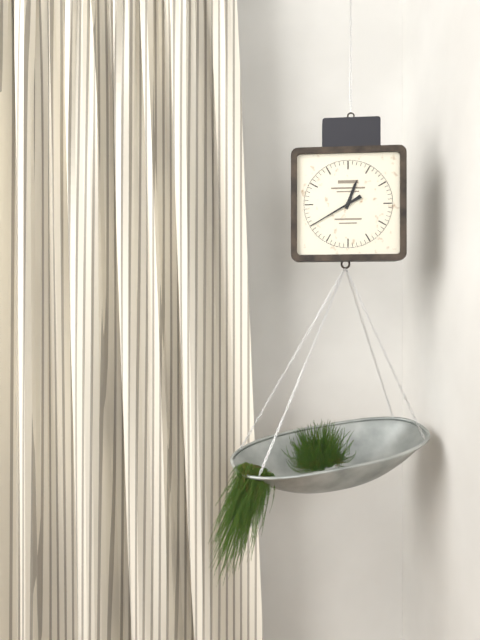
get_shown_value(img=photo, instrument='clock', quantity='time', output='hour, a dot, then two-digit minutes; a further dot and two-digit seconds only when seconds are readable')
12.40
